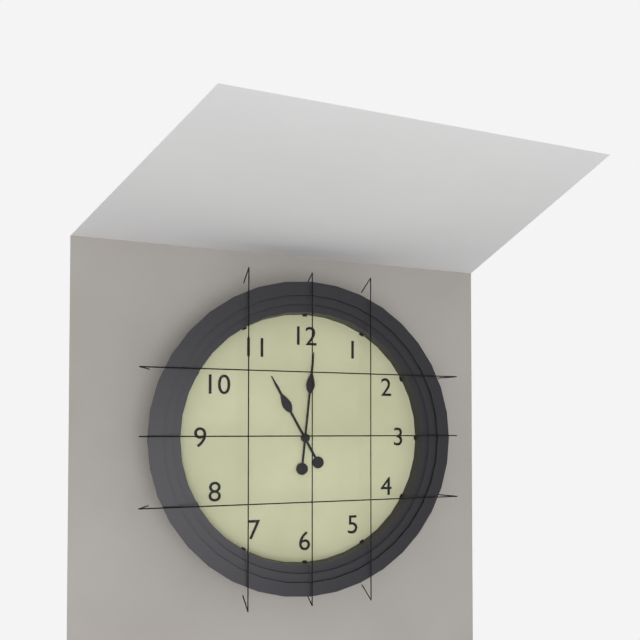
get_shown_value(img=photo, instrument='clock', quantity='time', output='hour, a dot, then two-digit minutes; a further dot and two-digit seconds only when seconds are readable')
11.01
